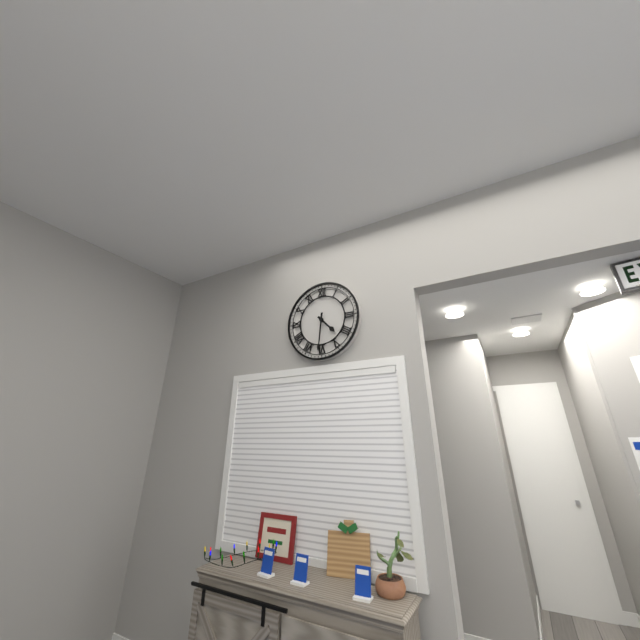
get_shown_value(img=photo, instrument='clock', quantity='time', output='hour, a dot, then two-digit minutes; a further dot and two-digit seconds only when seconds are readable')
4.31
